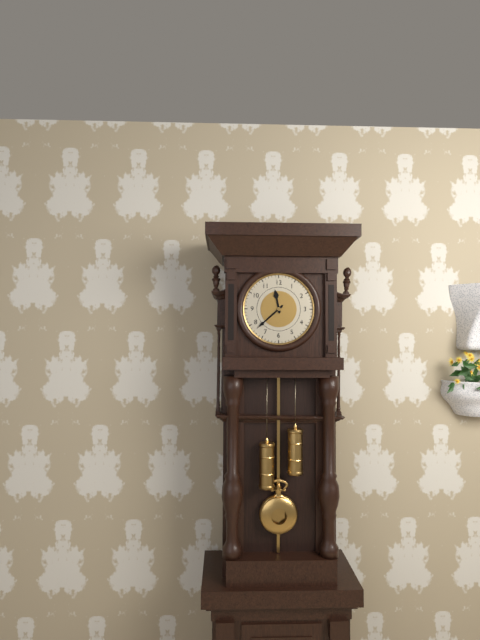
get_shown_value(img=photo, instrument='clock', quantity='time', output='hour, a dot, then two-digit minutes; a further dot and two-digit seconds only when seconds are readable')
11.38
